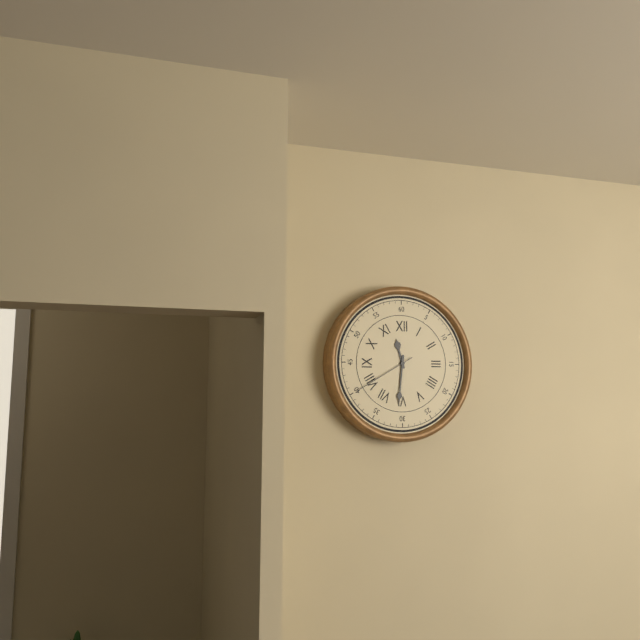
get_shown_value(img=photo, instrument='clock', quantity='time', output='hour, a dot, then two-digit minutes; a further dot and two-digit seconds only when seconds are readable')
11.31.40
